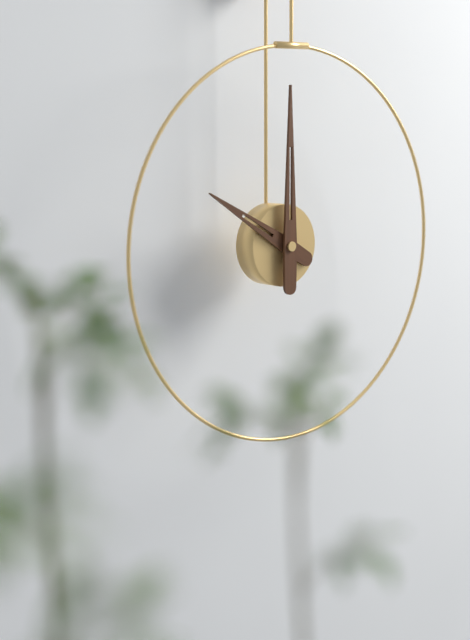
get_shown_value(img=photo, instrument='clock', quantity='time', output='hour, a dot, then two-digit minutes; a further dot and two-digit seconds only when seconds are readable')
10.00
